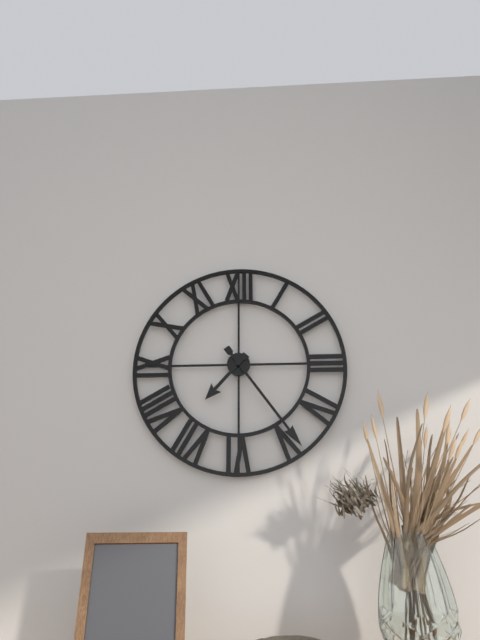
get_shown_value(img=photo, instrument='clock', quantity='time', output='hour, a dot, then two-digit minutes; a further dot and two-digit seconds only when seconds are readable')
7.24
